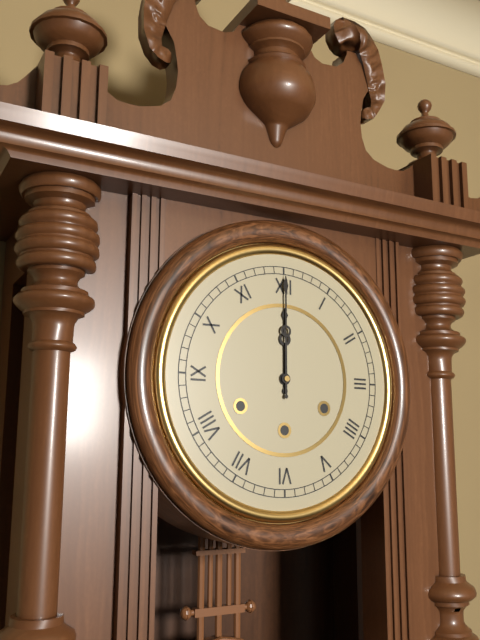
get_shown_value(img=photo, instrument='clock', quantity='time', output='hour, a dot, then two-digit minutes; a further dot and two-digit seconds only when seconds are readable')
12.00
